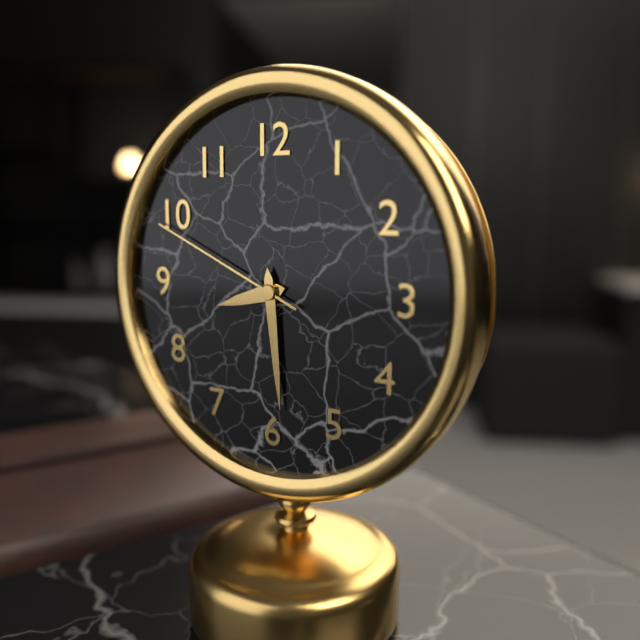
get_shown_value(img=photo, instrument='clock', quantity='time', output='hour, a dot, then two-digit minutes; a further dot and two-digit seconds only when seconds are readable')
8.29.49
